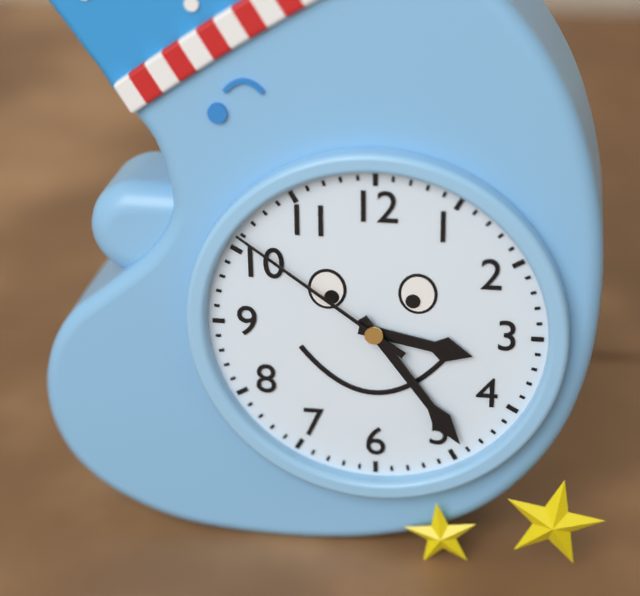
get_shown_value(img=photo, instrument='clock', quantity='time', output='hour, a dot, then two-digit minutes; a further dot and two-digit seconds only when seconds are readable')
3.24.51
